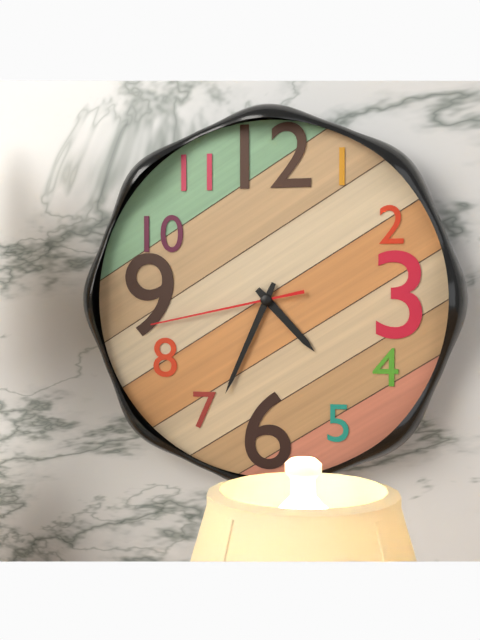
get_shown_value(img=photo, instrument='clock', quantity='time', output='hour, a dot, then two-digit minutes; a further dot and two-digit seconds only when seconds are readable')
4.34.43
